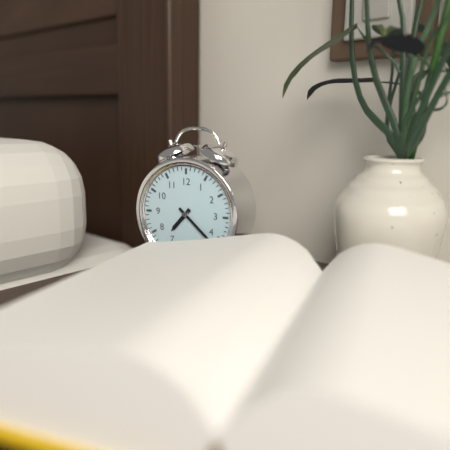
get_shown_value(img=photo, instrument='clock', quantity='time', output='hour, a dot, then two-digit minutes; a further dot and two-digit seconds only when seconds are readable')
7.22
